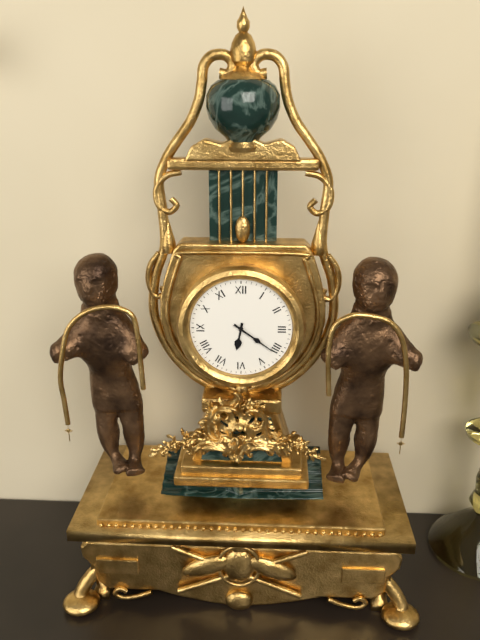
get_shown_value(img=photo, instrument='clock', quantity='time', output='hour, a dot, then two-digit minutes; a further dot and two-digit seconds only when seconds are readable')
6.21
